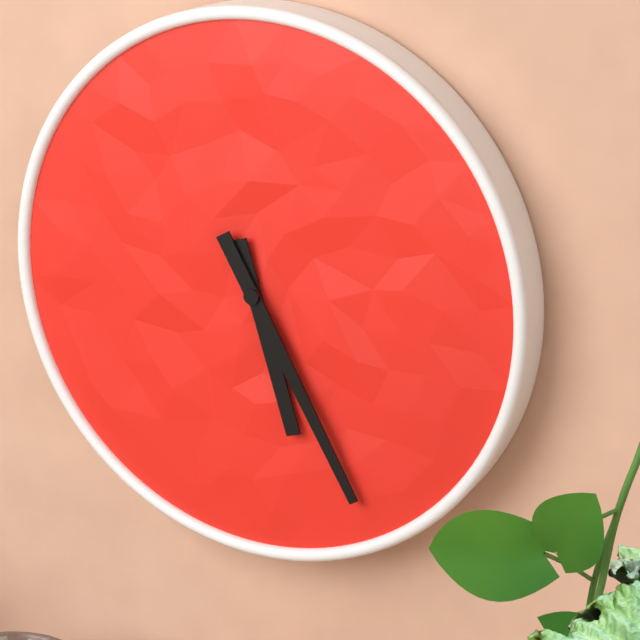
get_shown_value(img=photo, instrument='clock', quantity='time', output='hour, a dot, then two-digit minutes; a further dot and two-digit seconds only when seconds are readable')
5.25
